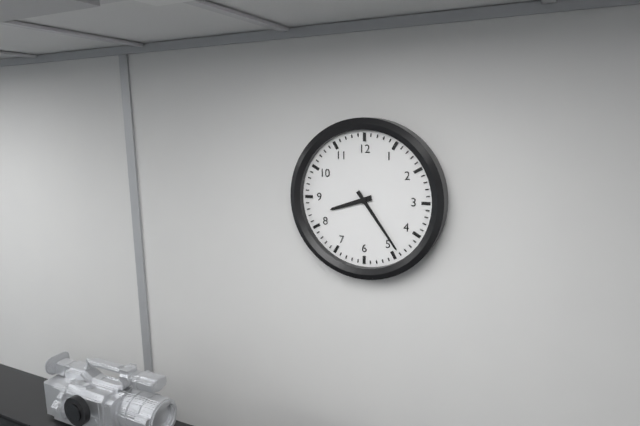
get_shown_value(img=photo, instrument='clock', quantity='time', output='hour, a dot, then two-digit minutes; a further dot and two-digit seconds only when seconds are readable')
8.24
